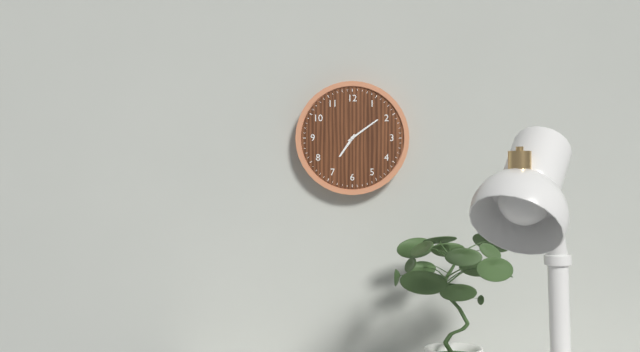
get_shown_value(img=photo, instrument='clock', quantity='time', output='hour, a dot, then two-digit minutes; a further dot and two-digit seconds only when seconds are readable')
7.09
